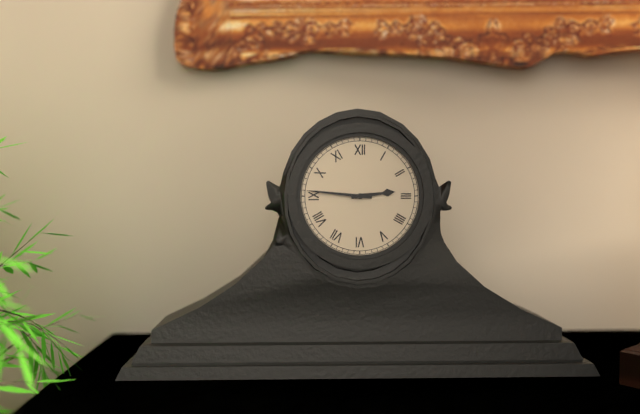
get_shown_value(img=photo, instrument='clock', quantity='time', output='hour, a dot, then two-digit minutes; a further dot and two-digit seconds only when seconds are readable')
2.46
